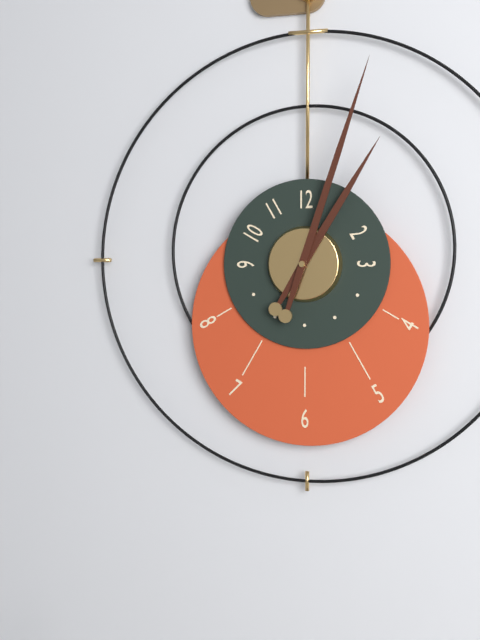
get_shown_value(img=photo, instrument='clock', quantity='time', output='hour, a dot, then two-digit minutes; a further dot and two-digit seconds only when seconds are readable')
1.03
